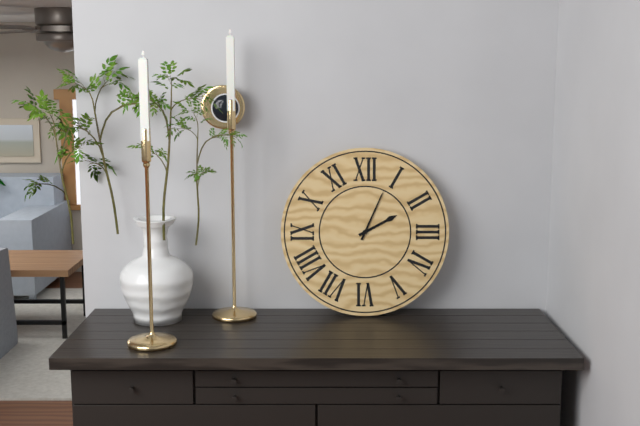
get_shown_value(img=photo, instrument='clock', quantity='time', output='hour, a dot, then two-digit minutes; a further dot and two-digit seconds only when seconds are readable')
2.04
